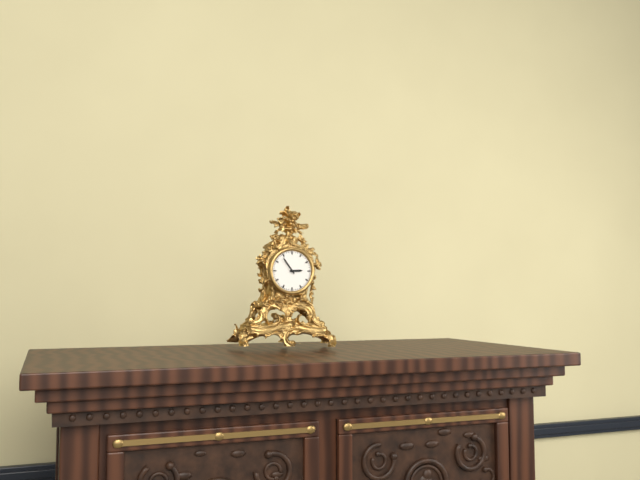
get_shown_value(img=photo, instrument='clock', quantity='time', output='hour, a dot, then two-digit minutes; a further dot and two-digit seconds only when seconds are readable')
2.54
